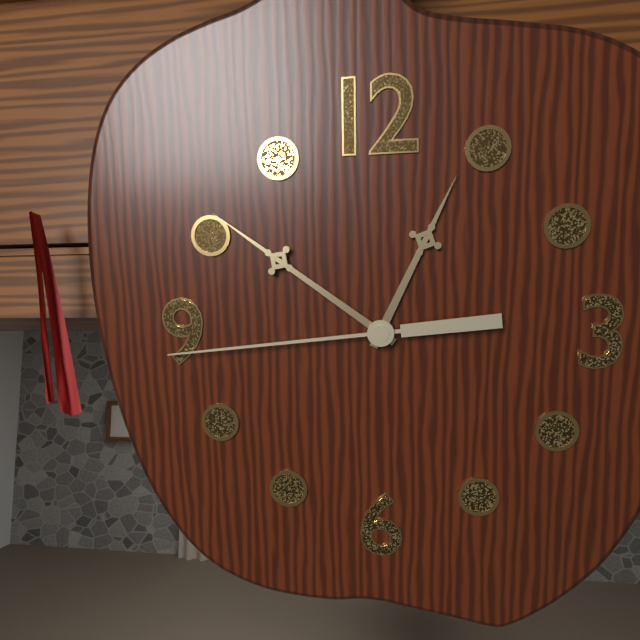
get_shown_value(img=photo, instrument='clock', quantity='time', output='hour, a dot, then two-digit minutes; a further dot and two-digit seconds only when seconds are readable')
12.51.44
